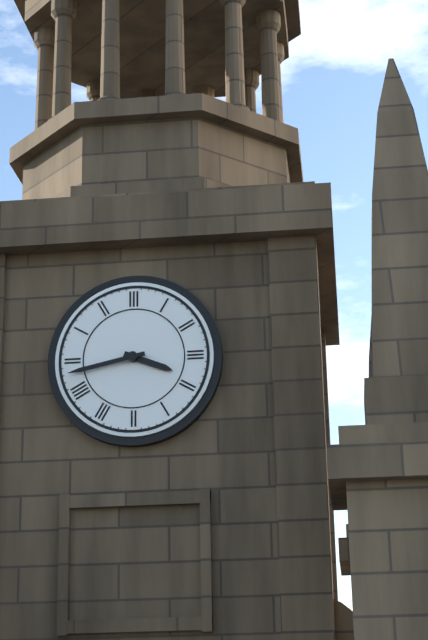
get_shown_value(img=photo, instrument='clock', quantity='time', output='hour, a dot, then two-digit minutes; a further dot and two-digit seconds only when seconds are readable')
3.43
